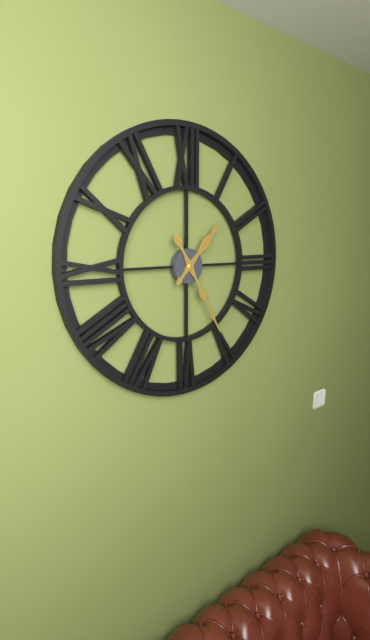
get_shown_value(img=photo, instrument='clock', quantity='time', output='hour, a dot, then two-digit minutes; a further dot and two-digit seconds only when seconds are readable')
1.25
